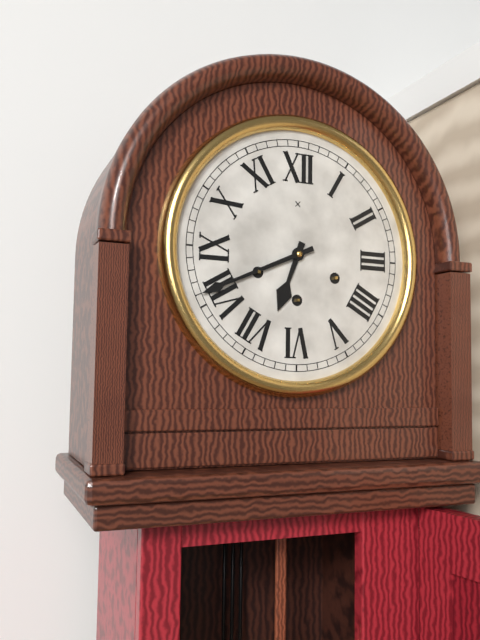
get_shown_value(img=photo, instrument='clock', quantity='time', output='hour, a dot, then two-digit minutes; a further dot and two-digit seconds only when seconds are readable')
6.41
